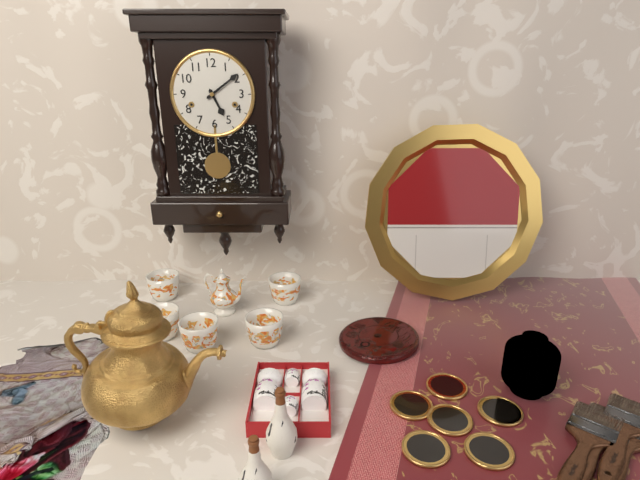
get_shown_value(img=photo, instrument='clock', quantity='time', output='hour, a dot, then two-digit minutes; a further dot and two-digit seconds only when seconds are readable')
5.09
